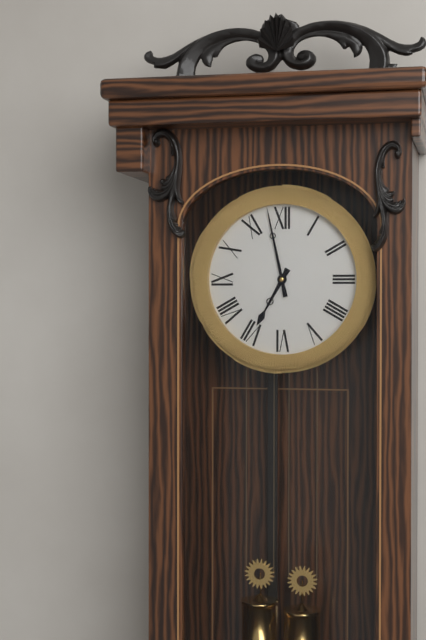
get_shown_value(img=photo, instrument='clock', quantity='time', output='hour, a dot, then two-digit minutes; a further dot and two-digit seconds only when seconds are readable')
6.58
